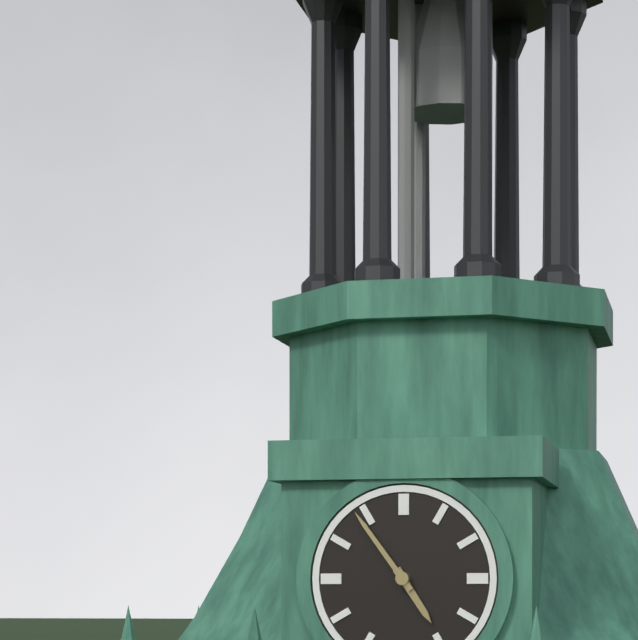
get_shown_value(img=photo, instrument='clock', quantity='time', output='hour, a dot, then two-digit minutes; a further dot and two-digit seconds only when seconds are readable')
4.54
